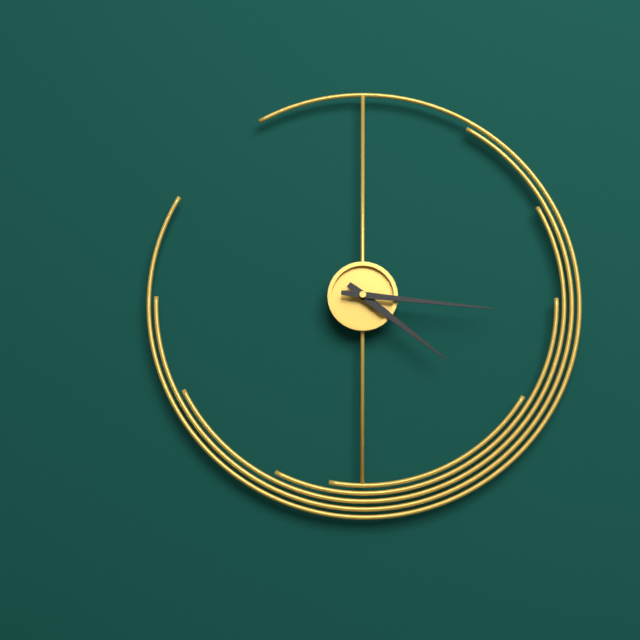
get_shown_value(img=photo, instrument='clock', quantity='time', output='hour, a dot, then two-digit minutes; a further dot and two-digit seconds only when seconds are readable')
4.16
